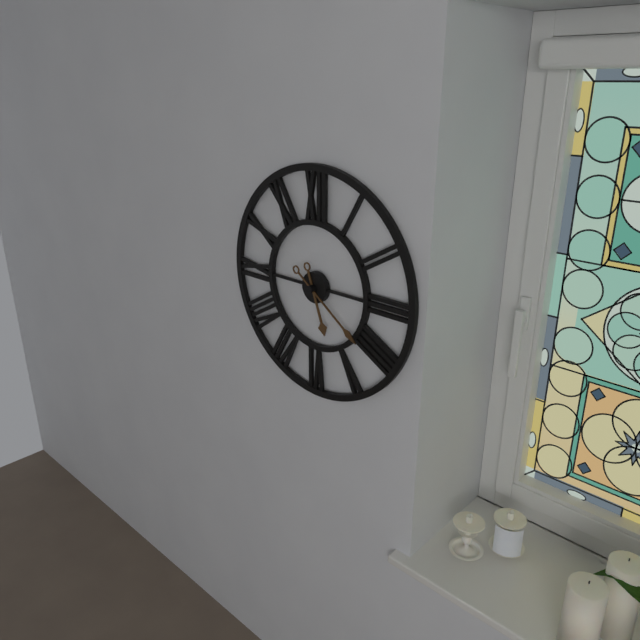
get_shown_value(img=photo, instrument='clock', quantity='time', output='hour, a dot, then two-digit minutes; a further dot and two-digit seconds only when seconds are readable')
5.21
